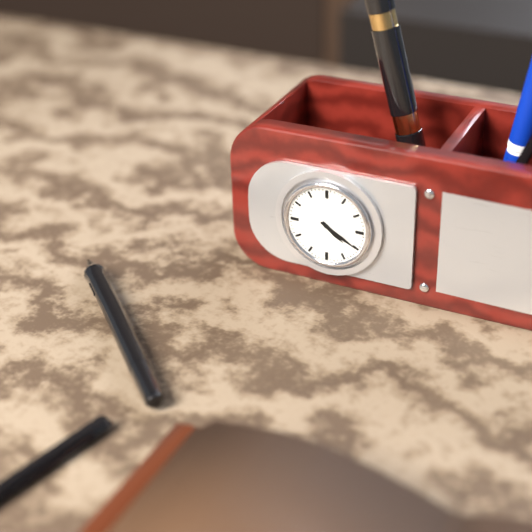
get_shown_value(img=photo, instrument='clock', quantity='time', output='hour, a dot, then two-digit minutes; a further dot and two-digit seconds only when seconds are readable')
4.20
